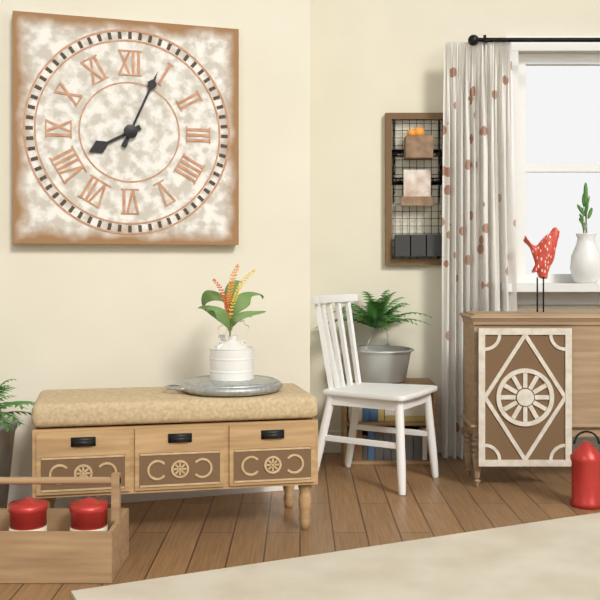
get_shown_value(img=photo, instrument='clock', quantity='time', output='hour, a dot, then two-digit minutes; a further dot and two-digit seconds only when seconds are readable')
8.04
